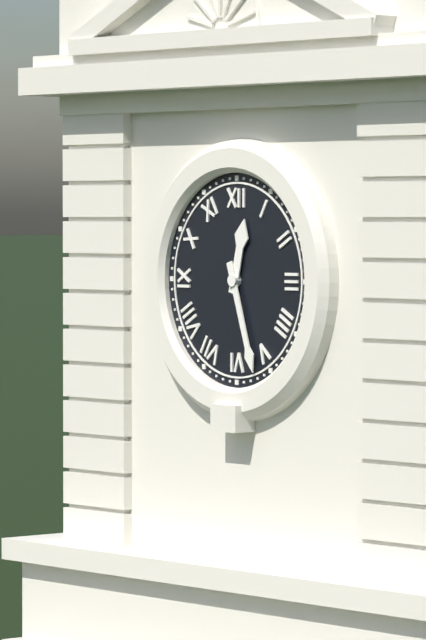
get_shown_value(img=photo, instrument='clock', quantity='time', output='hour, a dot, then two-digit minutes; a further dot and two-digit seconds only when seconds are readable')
12.27
